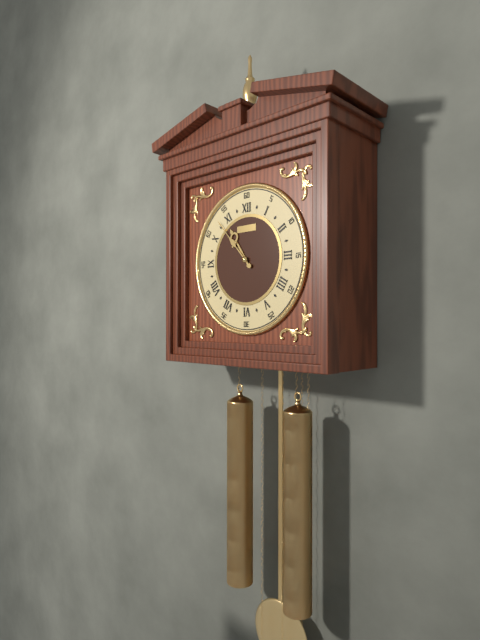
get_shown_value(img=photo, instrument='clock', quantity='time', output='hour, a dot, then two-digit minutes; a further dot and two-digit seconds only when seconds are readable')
10.53
